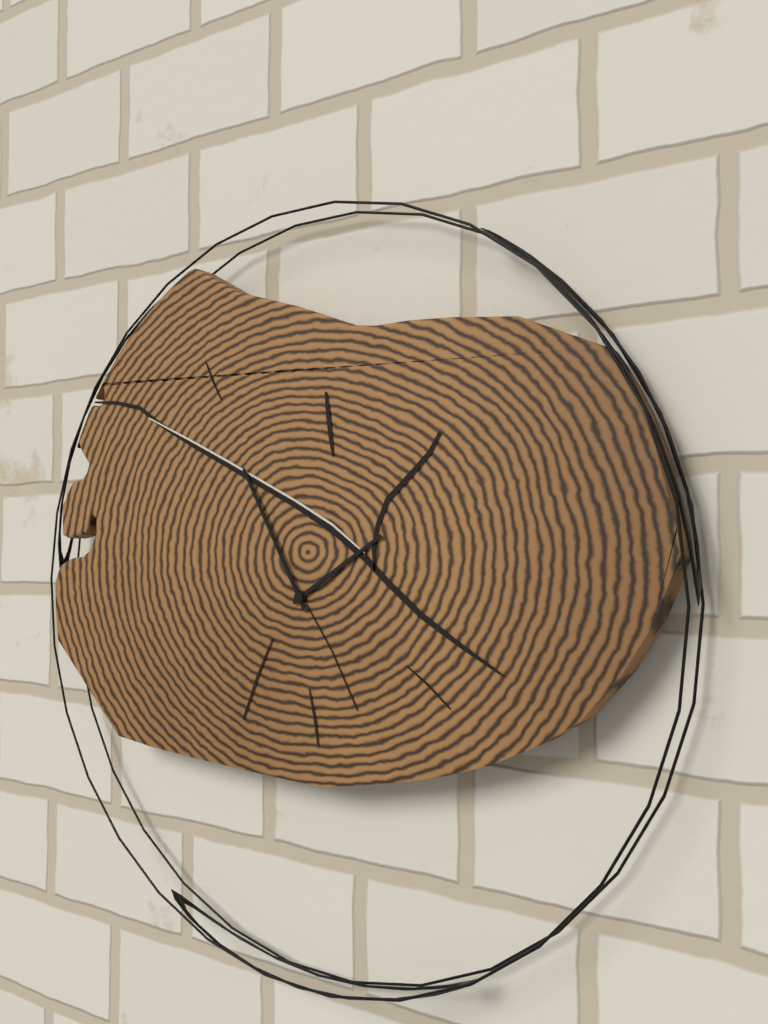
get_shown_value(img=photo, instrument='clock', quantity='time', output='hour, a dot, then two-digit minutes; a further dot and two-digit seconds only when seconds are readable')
1.55
